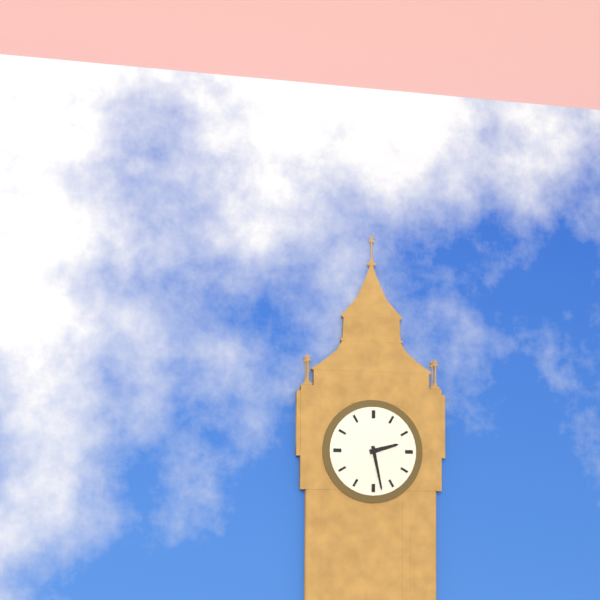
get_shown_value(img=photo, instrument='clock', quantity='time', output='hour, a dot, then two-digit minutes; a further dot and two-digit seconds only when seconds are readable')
2.28
